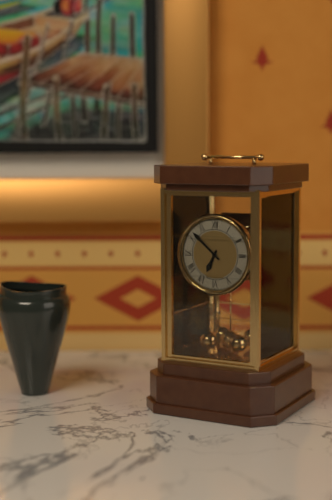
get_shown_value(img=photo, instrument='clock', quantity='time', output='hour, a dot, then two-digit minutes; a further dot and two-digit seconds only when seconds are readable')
6.52
